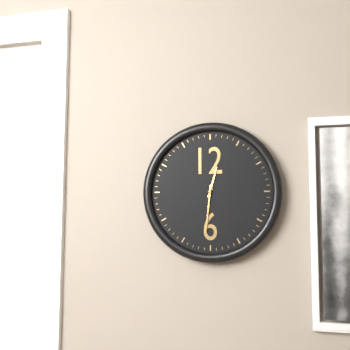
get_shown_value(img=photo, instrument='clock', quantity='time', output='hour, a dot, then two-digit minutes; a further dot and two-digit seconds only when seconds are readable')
12.31
